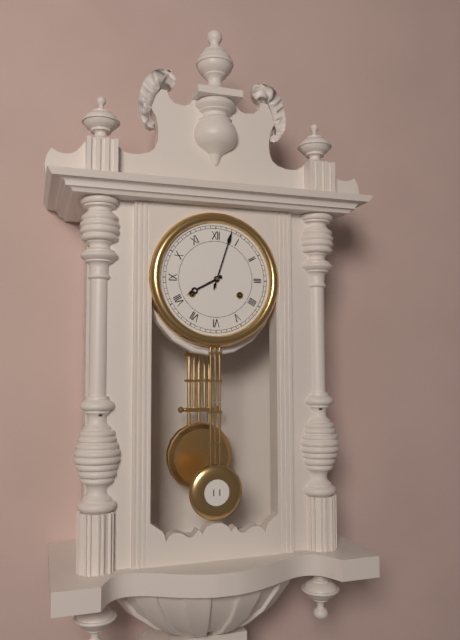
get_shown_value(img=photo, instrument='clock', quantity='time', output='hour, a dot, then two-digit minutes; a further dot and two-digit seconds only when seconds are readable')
8.03
